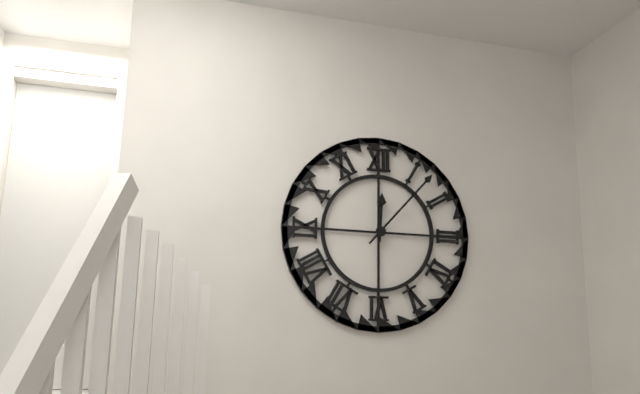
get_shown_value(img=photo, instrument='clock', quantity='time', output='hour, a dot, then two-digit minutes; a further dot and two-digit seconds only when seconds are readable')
12.07
